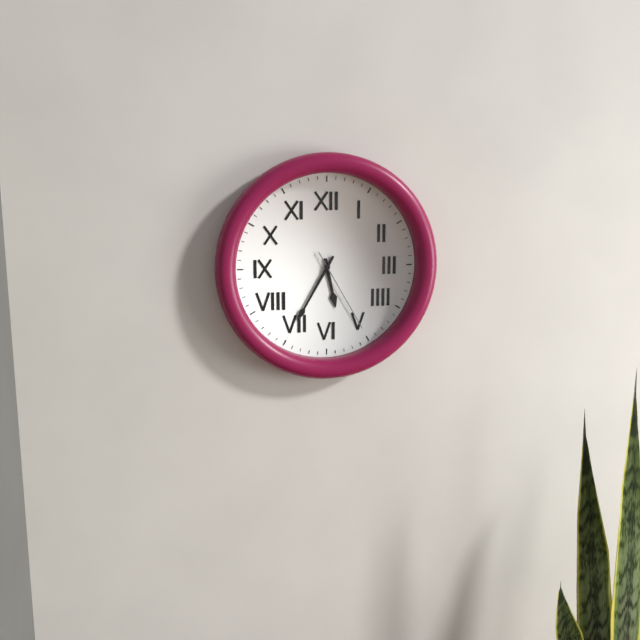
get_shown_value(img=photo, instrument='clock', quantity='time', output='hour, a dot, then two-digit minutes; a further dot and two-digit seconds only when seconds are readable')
5.35.25
